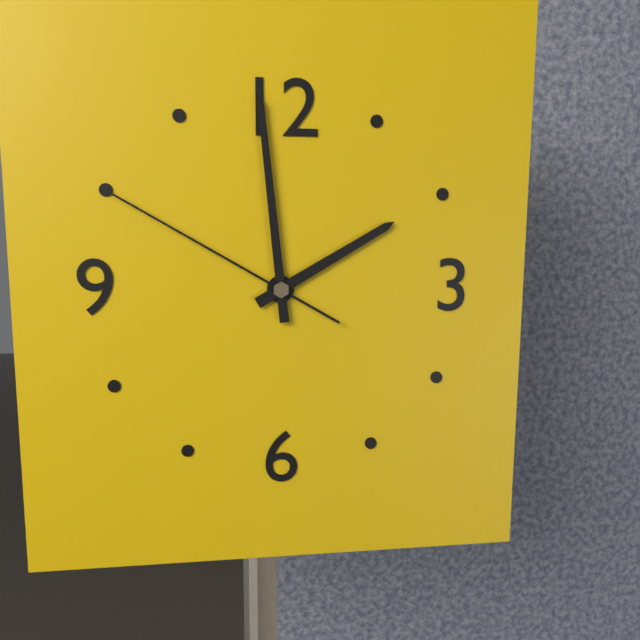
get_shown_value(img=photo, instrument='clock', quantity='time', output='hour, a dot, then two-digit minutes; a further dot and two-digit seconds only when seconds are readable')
1.59.50
